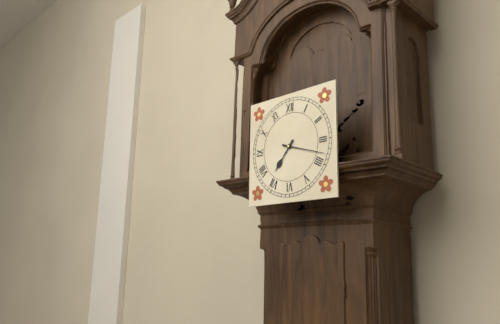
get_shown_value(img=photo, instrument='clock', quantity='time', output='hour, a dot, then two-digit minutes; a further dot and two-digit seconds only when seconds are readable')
7.18
